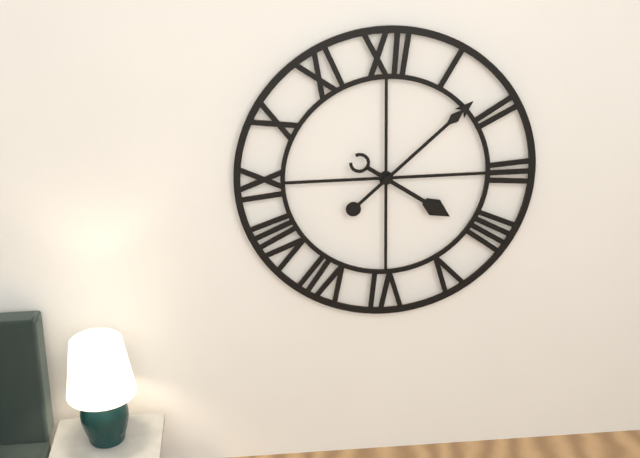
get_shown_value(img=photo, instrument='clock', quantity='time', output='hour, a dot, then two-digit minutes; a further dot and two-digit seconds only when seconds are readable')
4.08
